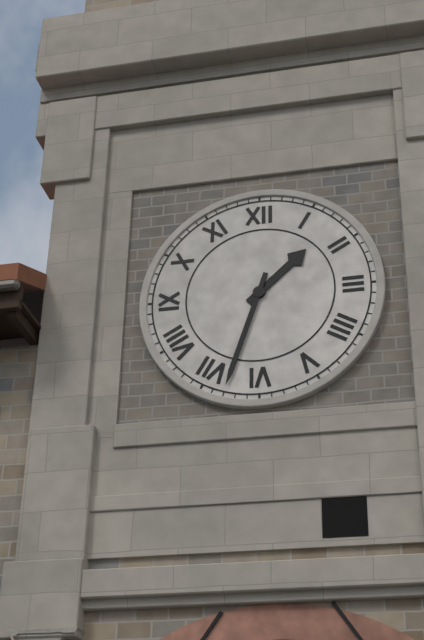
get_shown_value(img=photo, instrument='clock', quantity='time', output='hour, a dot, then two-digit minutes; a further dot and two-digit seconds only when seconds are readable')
1.33
